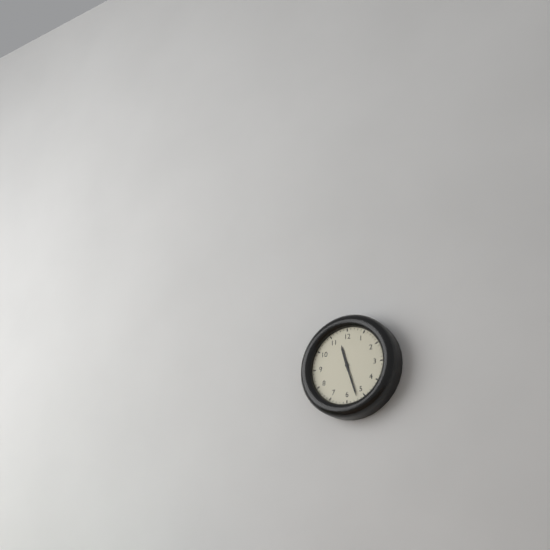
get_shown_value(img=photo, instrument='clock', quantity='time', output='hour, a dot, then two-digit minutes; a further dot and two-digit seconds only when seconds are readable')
11.27
